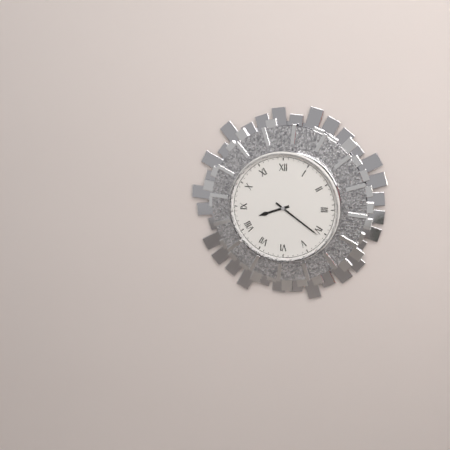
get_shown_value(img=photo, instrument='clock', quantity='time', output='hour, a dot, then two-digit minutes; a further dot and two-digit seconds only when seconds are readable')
8.21
